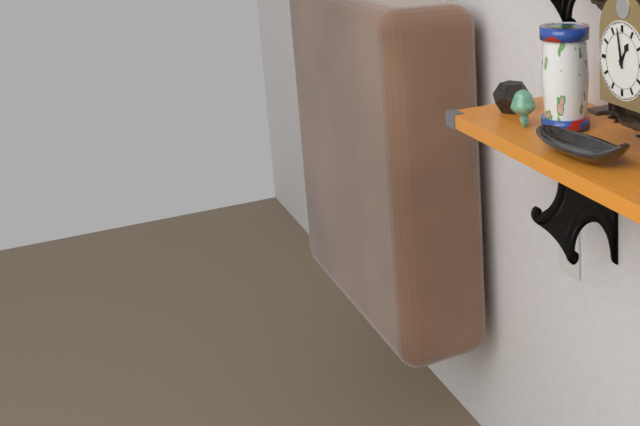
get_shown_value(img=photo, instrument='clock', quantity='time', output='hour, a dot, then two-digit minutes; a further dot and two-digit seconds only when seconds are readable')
12.58
